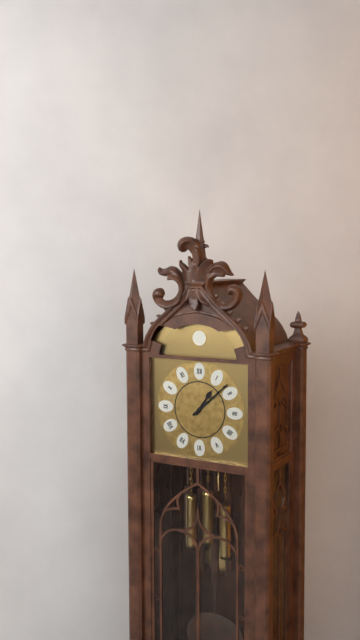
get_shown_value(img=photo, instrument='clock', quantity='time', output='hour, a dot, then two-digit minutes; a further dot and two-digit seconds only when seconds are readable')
1.08
